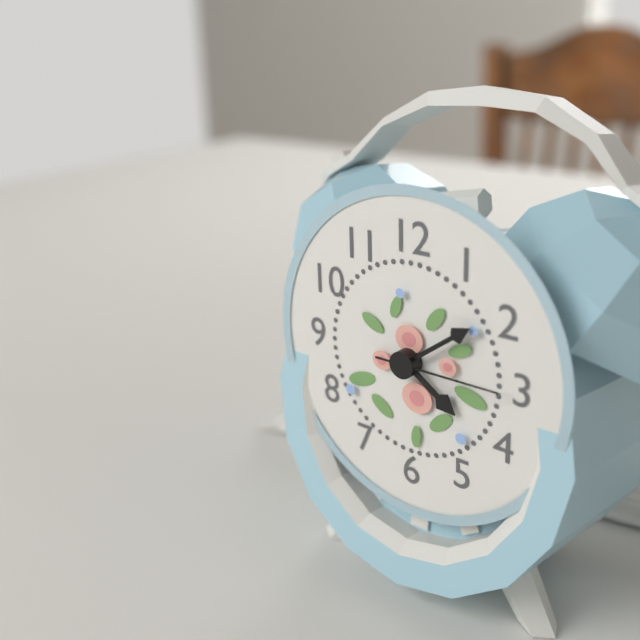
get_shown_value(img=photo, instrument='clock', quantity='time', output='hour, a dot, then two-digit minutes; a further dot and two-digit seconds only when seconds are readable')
4.09.15
